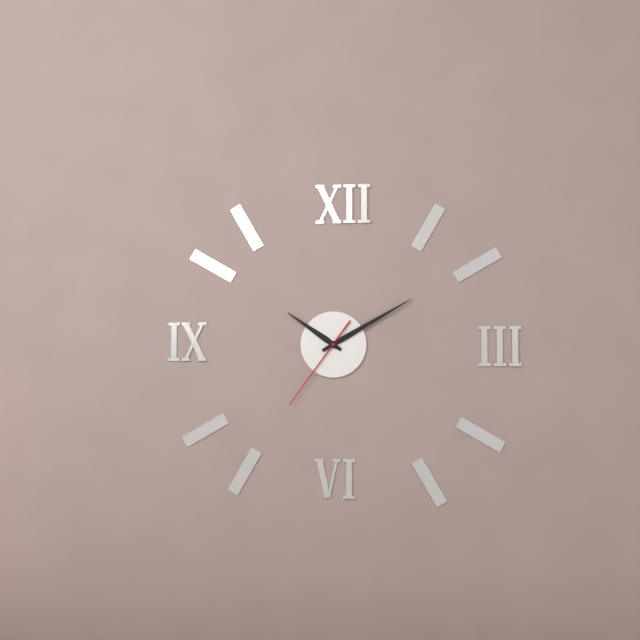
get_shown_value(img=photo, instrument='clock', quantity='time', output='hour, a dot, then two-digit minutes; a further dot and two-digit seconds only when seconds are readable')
10.10.36
